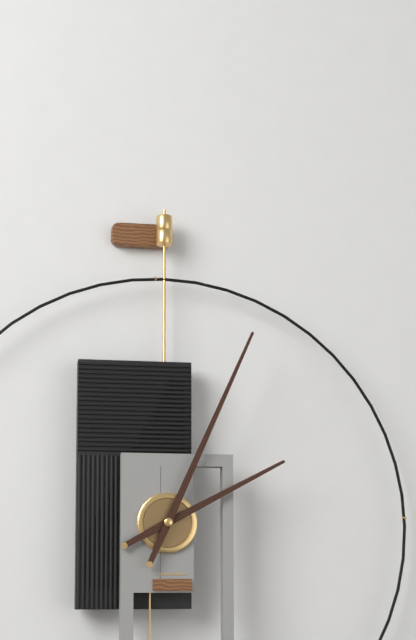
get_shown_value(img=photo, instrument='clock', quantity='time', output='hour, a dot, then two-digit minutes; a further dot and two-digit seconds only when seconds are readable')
2.04
